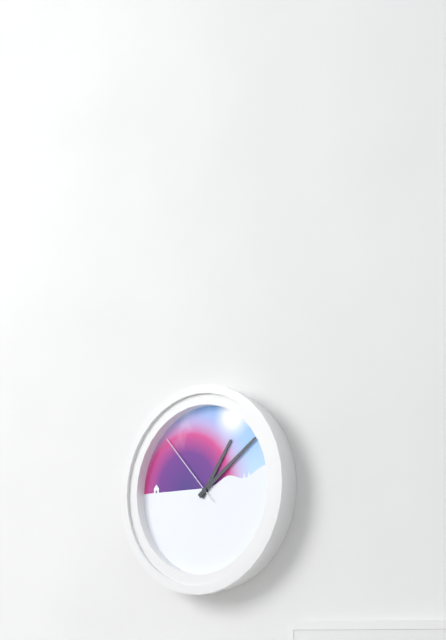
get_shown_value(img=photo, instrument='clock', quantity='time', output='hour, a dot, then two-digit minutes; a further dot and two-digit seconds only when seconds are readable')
1.09.53
